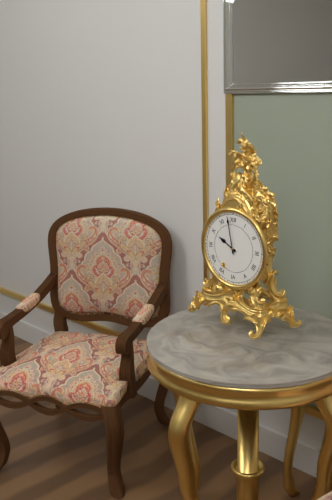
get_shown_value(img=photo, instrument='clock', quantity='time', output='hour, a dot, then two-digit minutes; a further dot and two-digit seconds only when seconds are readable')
9.58
